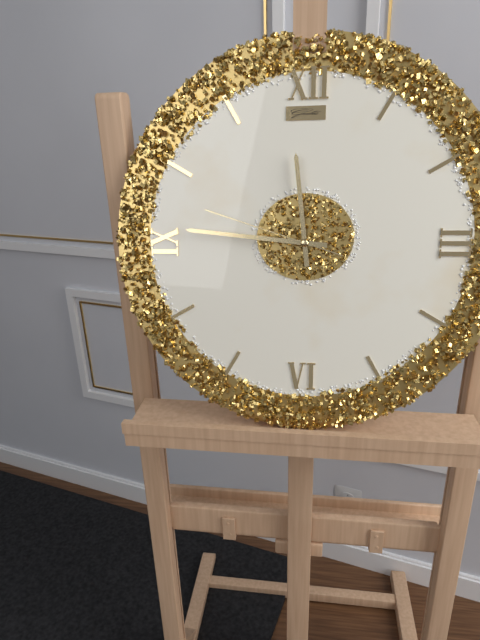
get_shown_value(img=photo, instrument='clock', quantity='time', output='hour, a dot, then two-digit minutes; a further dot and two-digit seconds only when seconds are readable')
11.46.48
